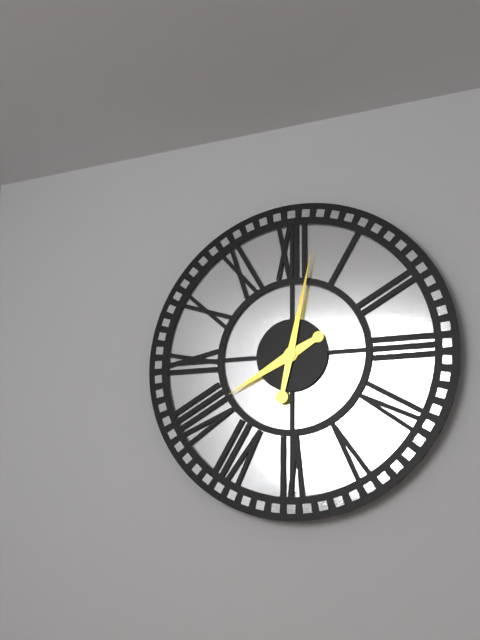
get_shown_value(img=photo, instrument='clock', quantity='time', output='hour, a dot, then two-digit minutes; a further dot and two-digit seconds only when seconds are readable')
8.02
